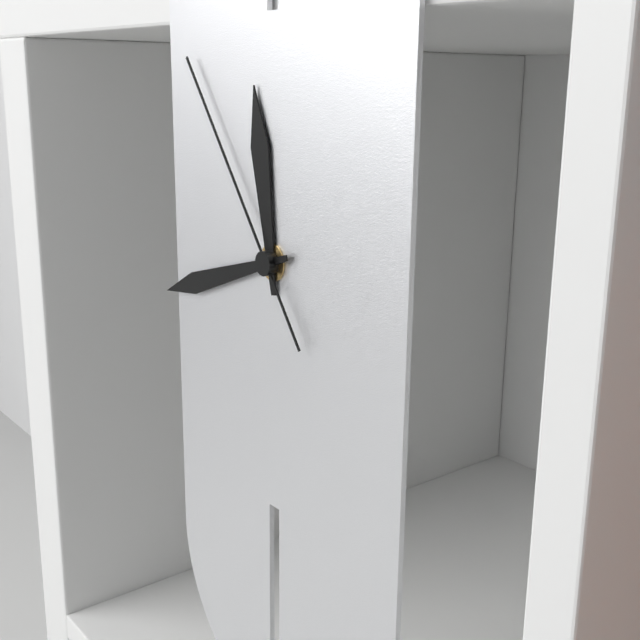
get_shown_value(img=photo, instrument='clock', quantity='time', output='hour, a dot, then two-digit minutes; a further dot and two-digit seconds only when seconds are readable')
11.42.54
